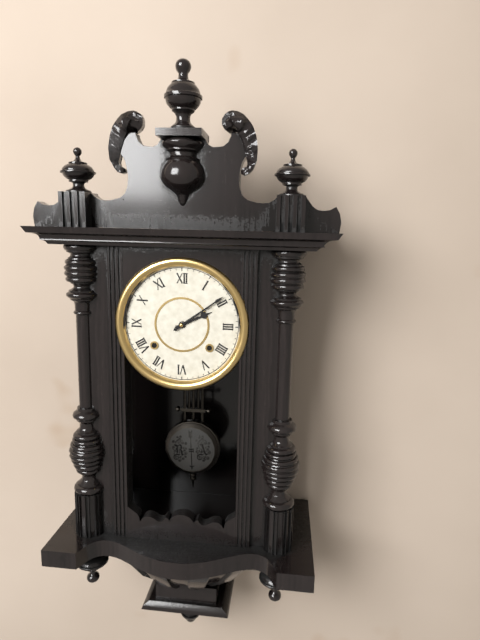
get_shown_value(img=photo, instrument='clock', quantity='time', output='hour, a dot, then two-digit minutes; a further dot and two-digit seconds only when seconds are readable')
2.09
